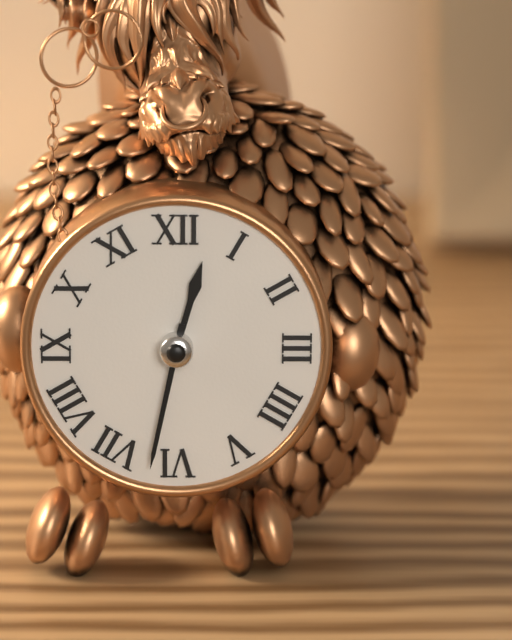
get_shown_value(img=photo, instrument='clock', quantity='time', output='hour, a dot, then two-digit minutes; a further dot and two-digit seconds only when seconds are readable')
12.32
